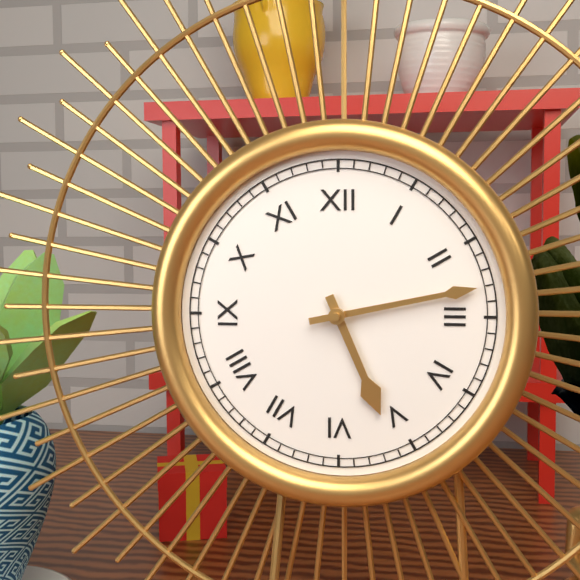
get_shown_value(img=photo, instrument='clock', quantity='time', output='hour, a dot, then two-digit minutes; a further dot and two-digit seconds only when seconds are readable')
5.13
